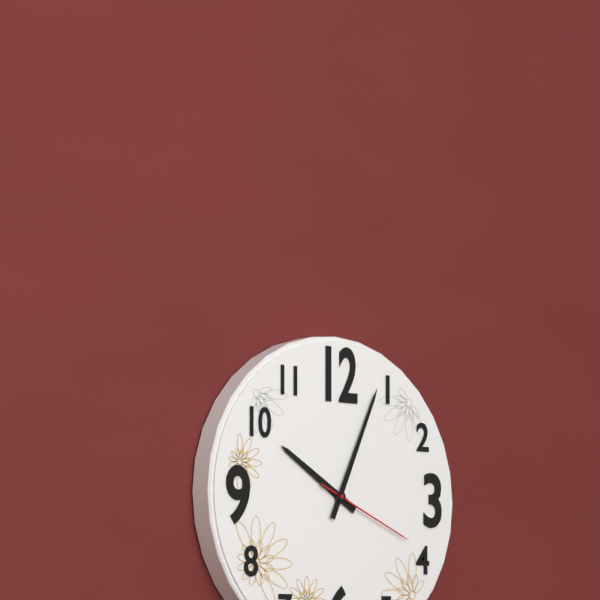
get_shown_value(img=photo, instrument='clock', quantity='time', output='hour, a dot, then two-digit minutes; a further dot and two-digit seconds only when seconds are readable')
10.04.19
